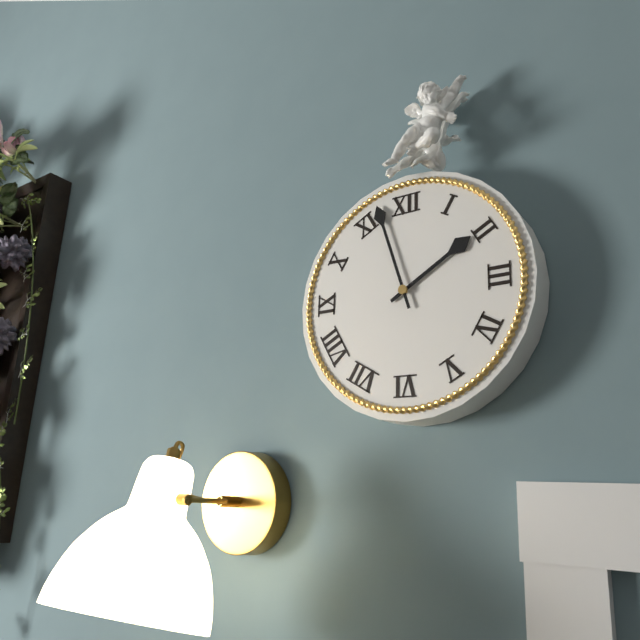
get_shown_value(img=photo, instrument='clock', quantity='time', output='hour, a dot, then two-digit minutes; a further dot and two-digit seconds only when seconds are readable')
1.57
